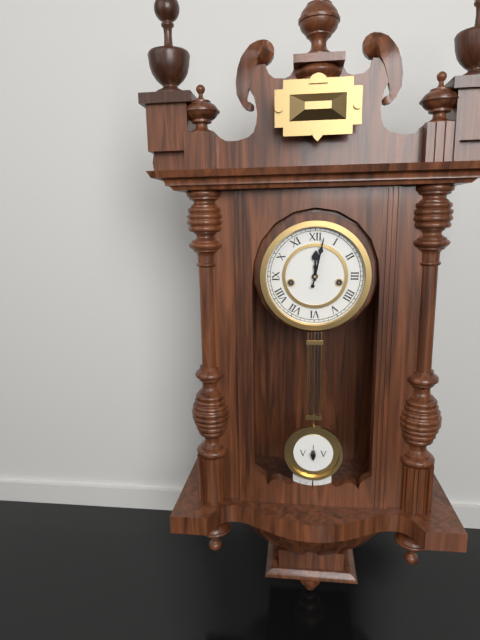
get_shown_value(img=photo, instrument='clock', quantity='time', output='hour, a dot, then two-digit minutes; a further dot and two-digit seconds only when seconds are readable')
12.02
